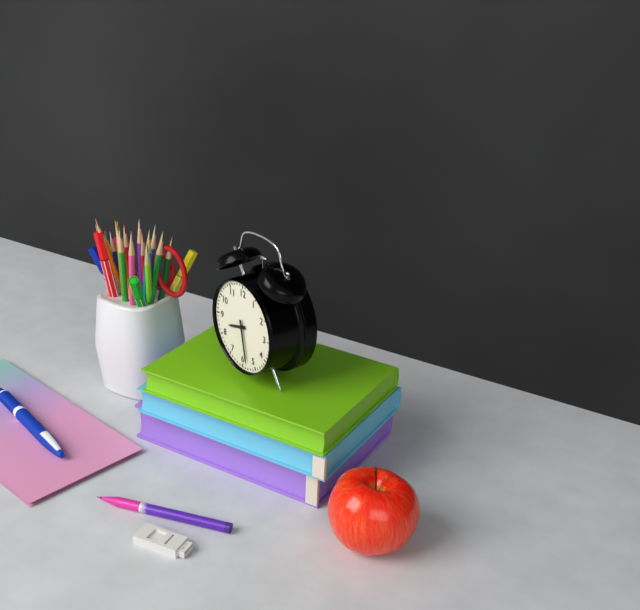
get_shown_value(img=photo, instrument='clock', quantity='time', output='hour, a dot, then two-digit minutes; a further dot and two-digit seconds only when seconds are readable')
8.28
